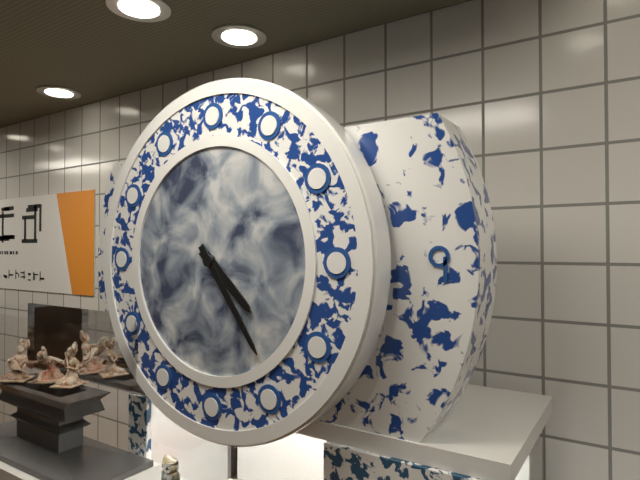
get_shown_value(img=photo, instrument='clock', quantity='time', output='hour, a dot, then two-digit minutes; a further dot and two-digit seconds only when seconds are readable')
4.24
